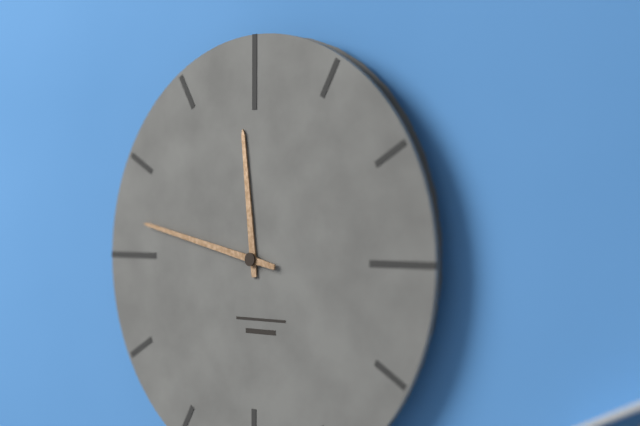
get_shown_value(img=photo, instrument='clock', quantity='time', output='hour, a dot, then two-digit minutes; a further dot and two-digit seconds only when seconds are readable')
11.47
